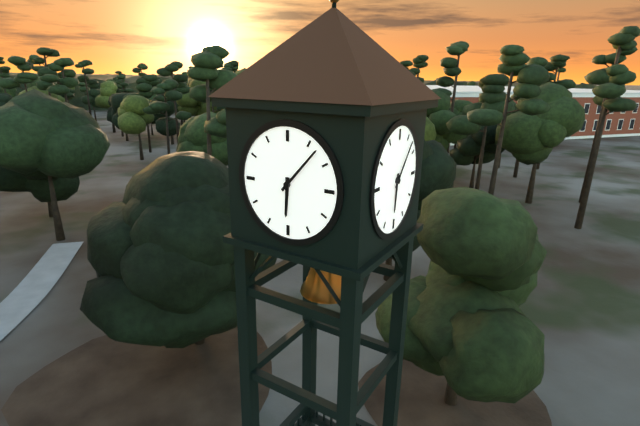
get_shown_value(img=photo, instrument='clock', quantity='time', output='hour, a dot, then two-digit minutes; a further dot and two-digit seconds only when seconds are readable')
6.07
